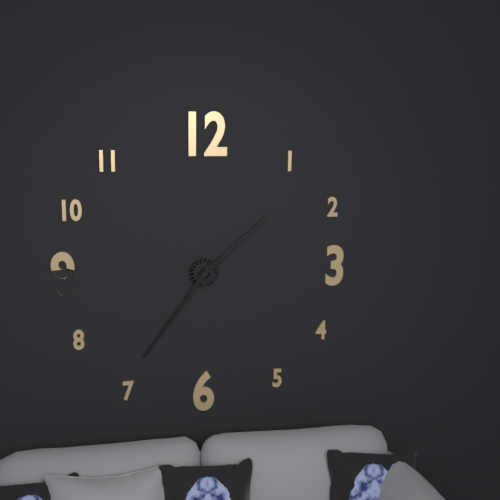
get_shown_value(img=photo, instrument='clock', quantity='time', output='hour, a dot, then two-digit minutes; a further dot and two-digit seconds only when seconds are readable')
1.36
